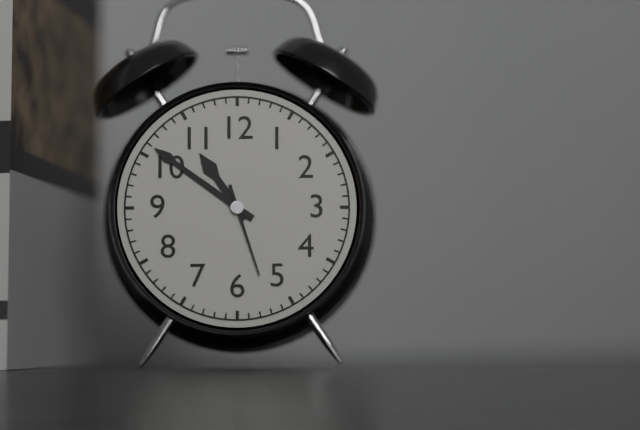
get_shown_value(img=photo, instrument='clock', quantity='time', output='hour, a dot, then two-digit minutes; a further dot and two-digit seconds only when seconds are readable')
10.51.27
